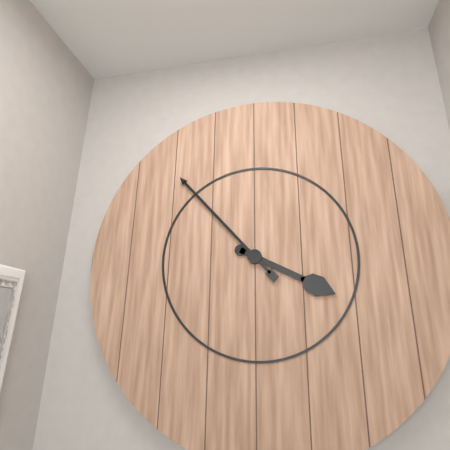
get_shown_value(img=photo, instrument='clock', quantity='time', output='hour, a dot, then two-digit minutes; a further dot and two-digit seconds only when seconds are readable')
3.53
